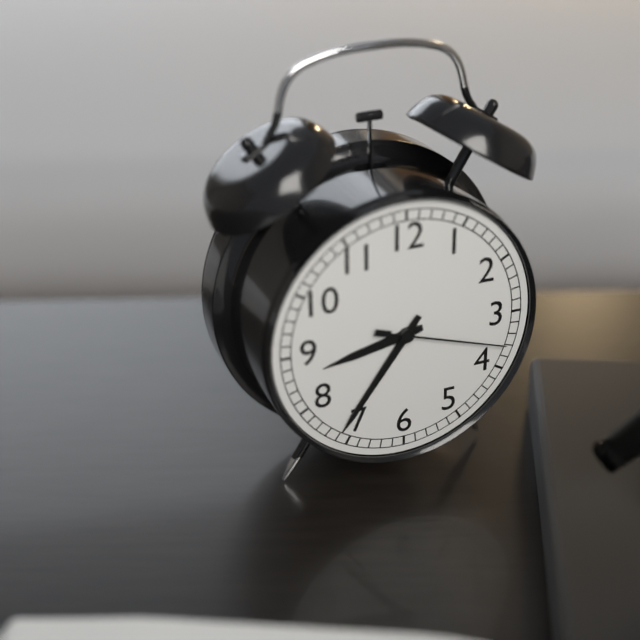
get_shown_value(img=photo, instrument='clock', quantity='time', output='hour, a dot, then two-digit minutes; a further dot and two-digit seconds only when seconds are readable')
8.36.18
